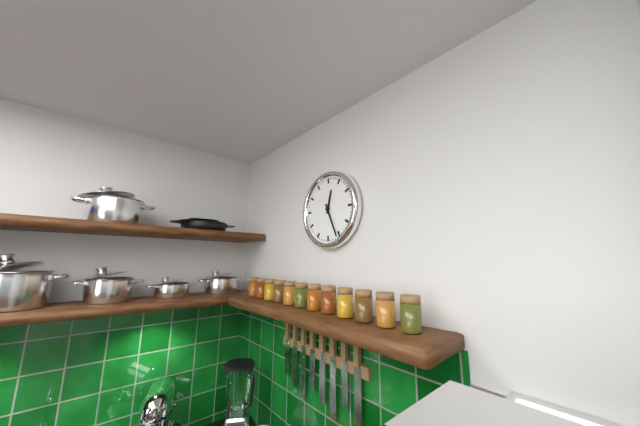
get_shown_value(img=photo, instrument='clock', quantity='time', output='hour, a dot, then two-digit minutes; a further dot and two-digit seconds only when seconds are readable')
12.26
